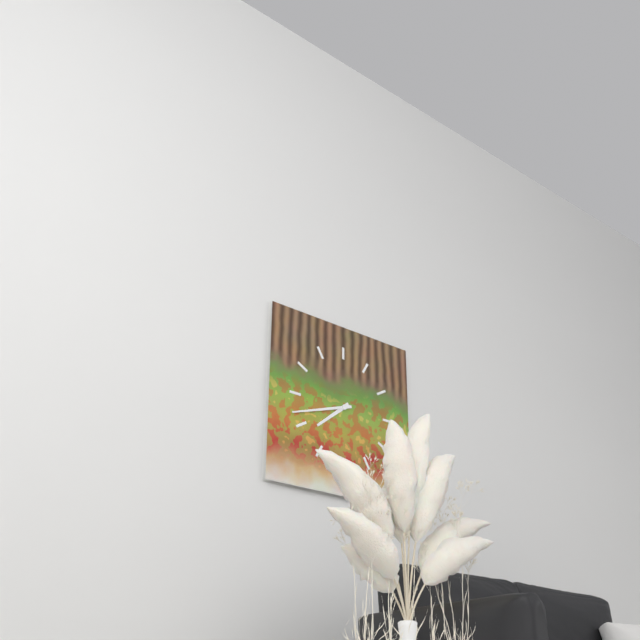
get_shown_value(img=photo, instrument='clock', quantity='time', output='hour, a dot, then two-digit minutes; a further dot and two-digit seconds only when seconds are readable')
7.42
